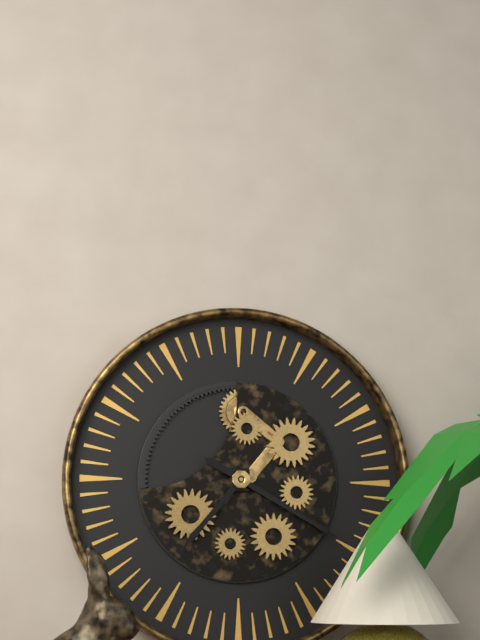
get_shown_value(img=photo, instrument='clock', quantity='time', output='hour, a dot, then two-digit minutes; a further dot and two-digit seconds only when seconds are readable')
7.20
